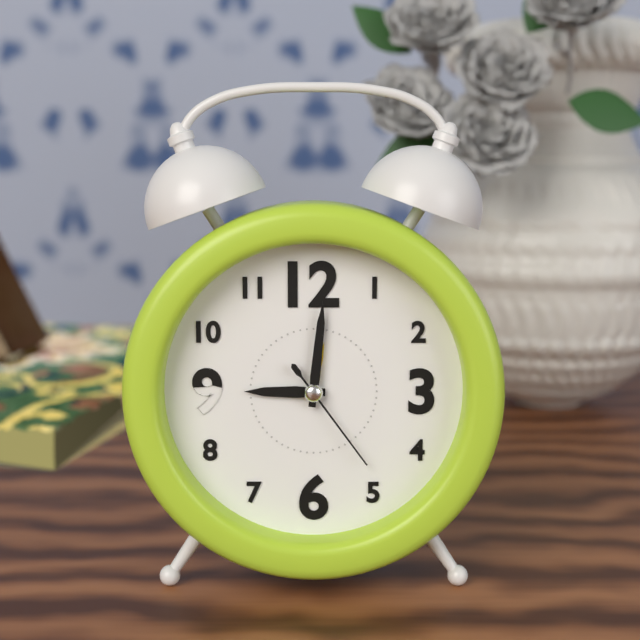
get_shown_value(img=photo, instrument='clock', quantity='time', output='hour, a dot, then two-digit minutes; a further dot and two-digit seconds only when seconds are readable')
9.01.24
